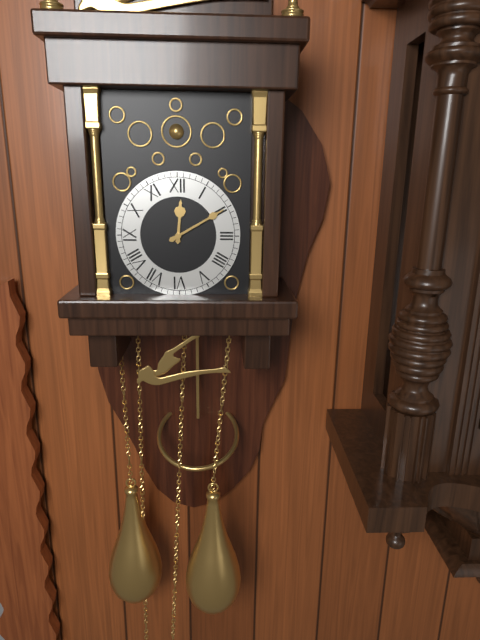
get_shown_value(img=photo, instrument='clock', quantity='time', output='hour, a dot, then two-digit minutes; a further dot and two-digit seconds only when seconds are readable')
12.10
